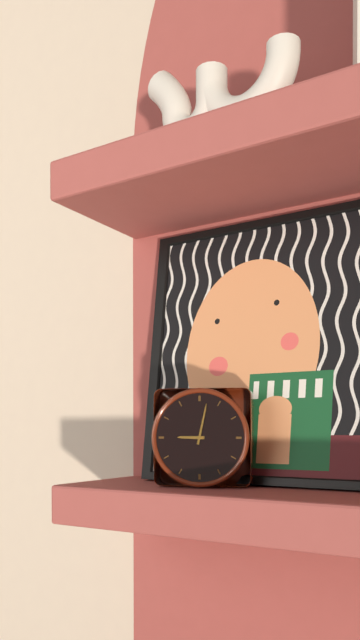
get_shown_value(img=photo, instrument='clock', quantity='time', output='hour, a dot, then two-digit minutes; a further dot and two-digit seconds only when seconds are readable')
9.02
